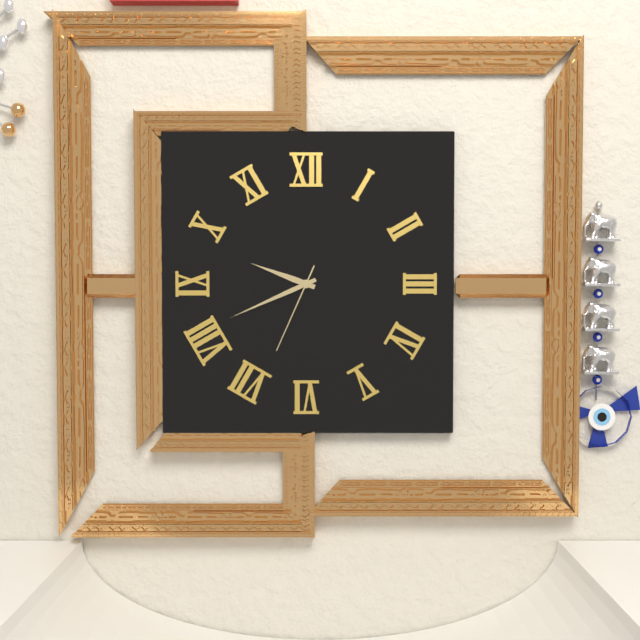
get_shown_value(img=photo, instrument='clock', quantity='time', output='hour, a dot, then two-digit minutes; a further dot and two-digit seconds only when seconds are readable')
9.41.34
